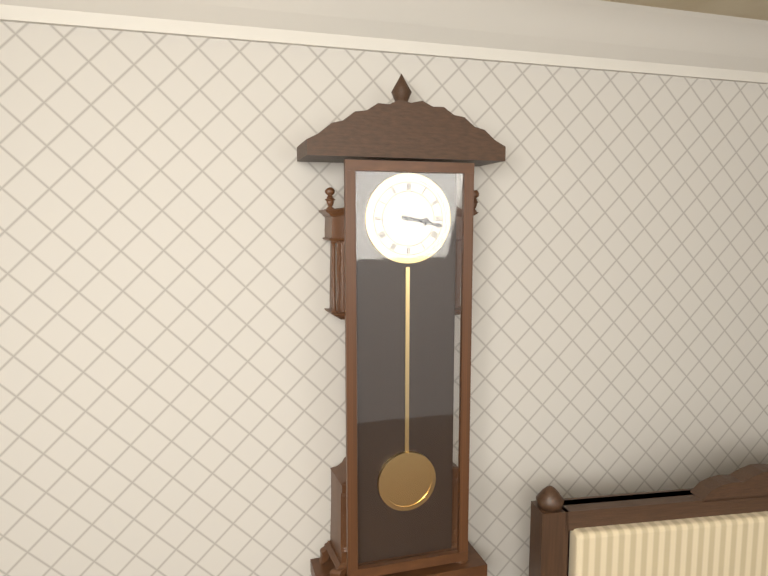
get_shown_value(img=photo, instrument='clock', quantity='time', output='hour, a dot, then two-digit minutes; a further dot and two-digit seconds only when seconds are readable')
3.17
